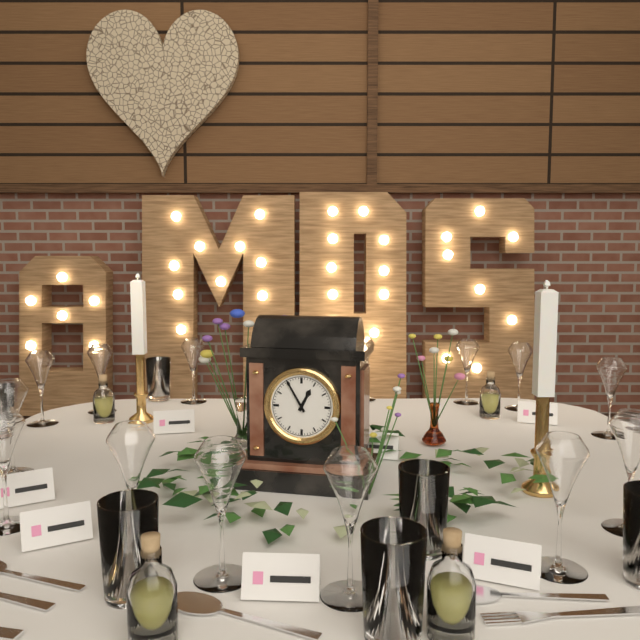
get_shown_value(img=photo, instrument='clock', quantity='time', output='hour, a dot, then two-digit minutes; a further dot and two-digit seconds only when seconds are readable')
12.55
